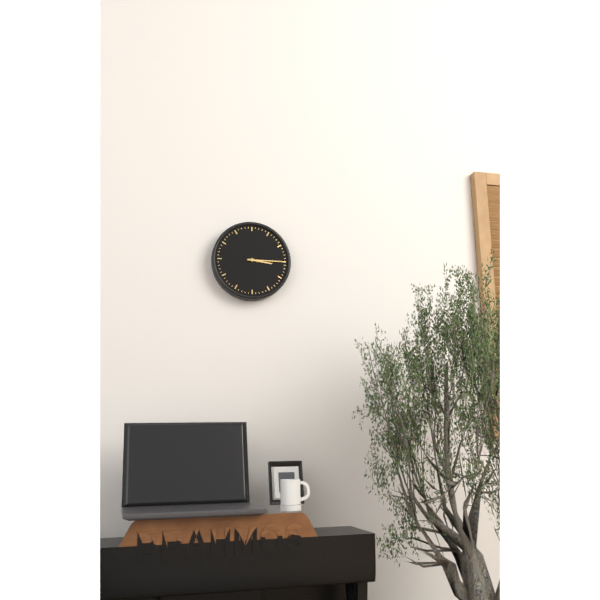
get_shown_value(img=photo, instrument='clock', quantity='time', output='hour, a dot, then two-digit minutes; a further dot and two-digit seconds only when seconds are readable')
3.15
